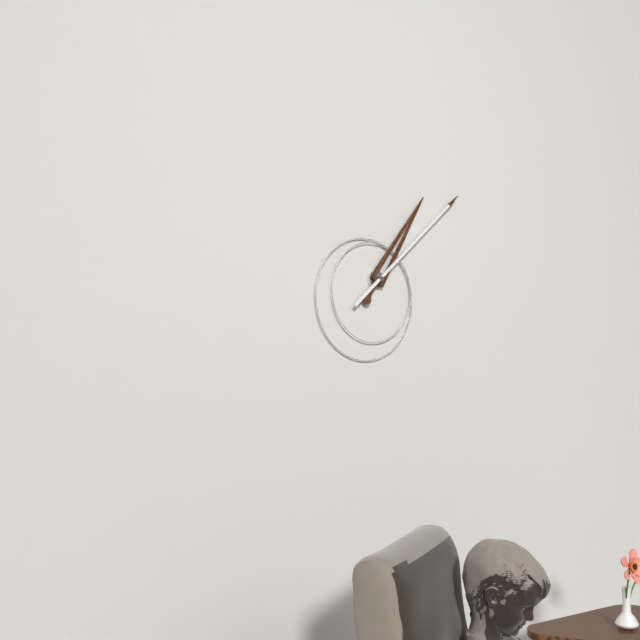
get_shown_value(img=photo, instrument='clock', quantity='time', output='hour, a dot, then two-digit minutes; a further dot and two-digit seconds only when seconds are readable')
1.08
